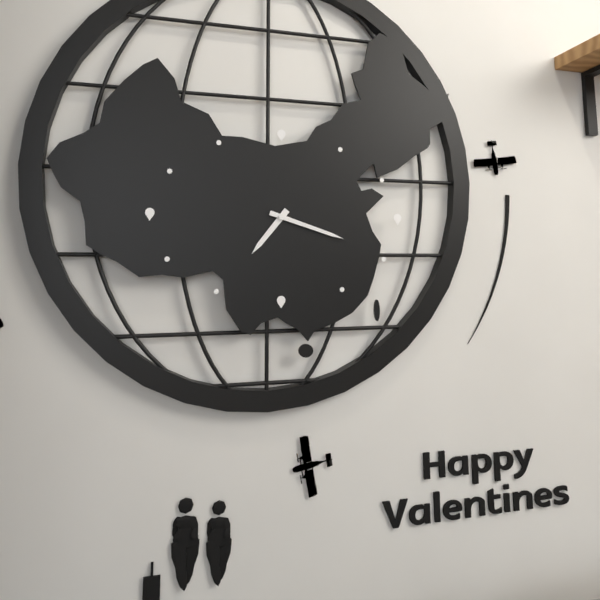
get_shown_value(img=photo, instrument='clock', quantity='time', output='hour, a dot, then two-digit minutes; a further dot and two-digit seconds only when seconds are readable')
7.18
